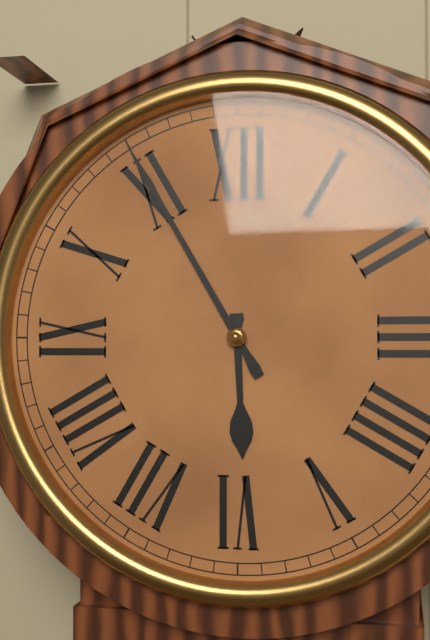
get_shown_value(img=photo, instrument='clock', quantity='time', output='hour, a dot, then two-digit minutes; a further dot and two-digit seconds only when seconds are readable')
5.55
